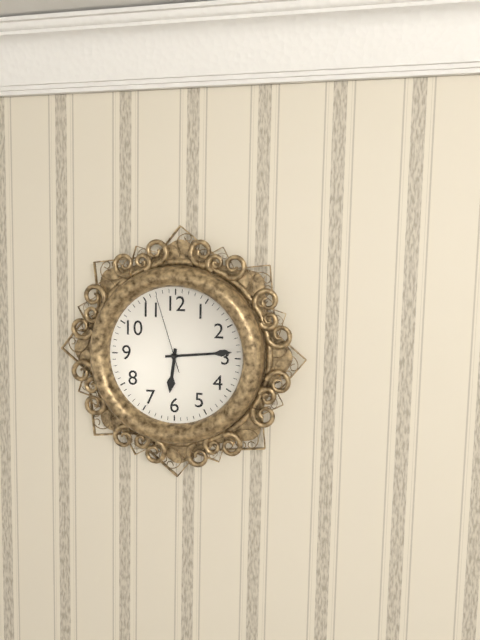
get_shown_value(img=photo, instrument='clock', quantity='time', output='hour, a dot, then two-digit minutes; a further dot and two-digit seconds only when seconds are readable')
6.14.57
